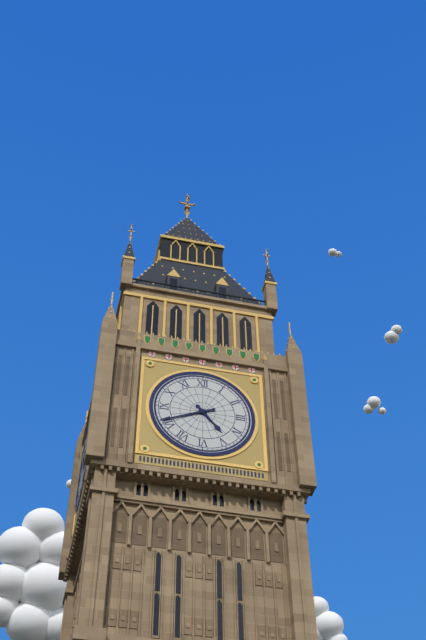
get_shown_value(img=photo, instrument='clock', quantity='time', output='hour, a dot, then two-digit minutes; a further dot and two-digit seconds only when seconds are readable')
4.41
